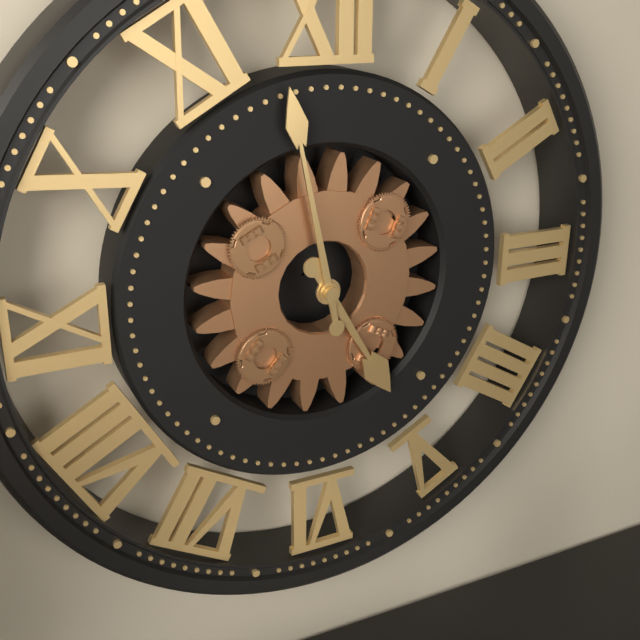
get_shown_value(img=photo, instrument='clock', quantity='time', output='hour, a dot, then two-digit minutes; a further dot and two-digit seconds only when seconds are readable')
4.58
